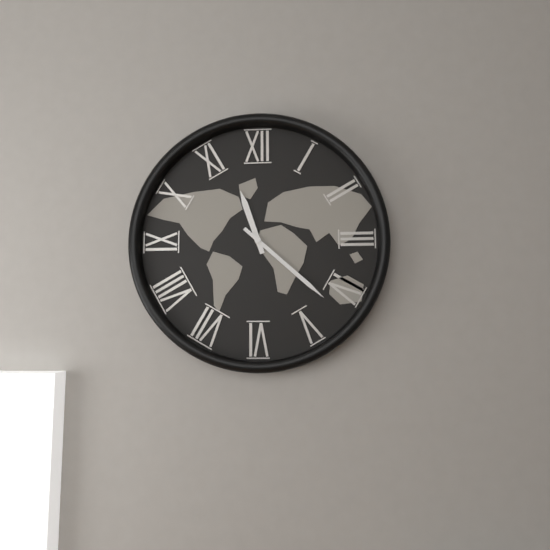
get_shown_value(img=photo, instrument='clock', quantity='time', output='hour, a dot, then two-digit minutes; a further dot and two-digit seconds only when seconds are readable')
11.22
